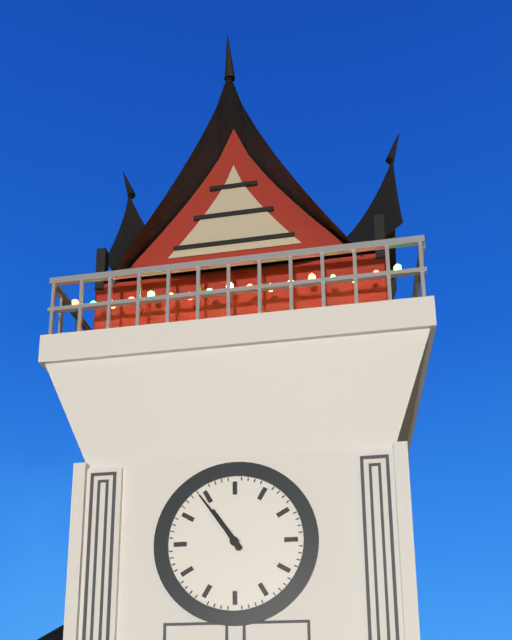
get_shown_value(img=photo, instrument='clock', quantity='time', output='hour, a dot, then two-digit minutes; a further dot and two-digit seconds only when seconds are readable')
10.54
